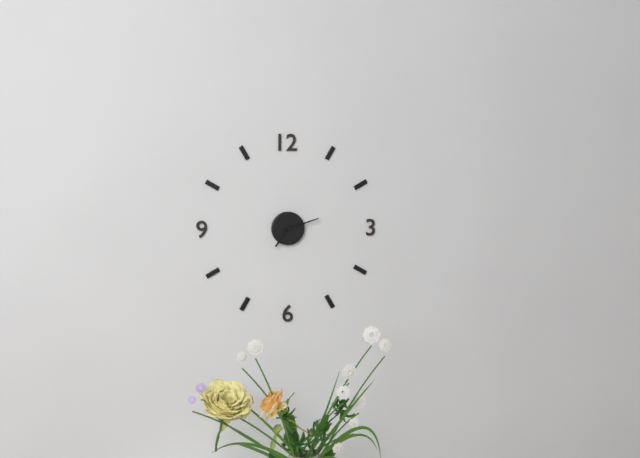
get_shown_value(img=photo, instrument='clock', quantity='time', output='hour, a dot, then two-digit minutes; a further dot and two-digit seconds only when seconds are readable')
7.12
